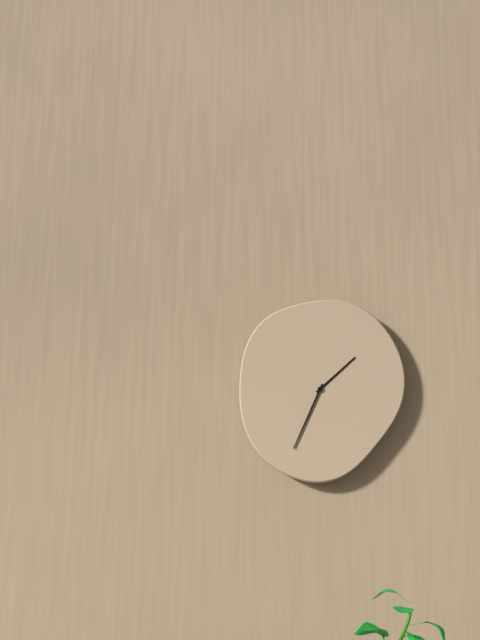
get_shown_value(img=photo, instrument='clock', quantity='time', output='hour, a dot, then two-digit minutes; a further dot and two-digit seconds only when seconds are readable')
1.34
